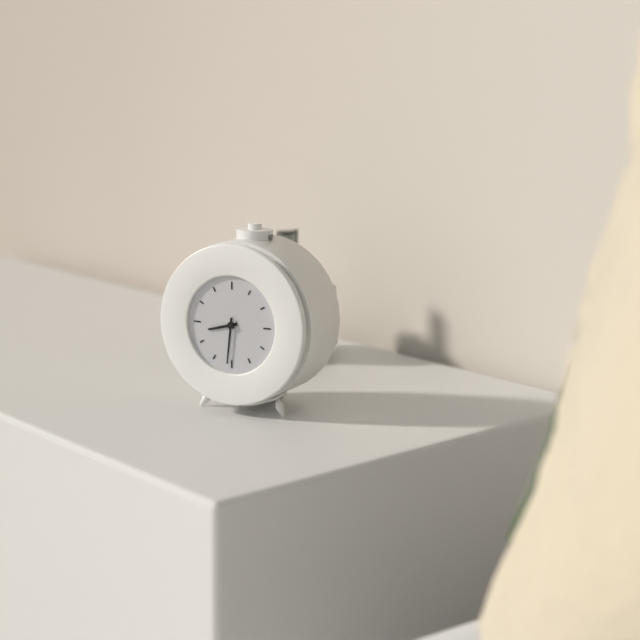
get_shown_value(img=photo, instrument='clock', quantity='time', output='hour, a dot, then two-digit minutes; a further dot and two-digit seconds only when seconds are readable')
8.31
